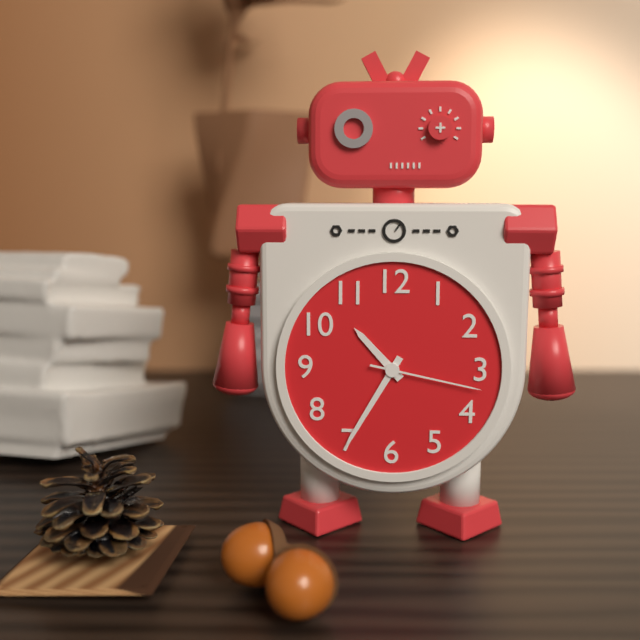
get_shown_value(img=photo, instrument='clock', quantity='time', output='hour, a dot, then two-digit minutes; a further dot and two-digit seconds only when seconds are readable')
10.35.17
